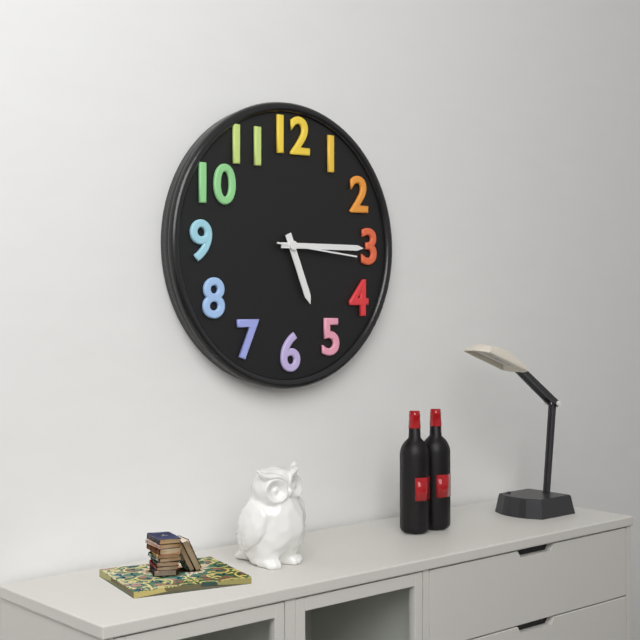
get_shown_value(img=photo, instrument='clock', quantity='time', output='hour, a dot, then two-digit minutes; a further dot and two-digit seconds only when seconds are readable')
5.15.16
